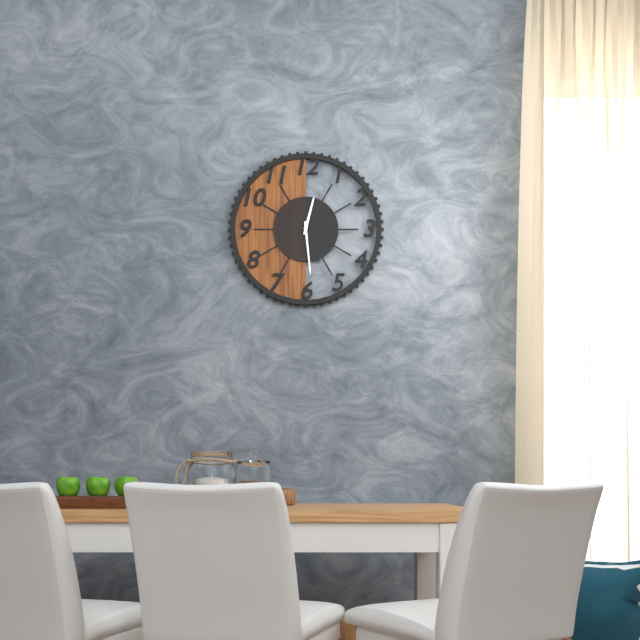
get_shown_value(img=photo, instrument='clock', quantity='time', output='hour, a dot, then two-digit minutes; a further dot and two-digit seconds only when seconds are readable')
12.29
